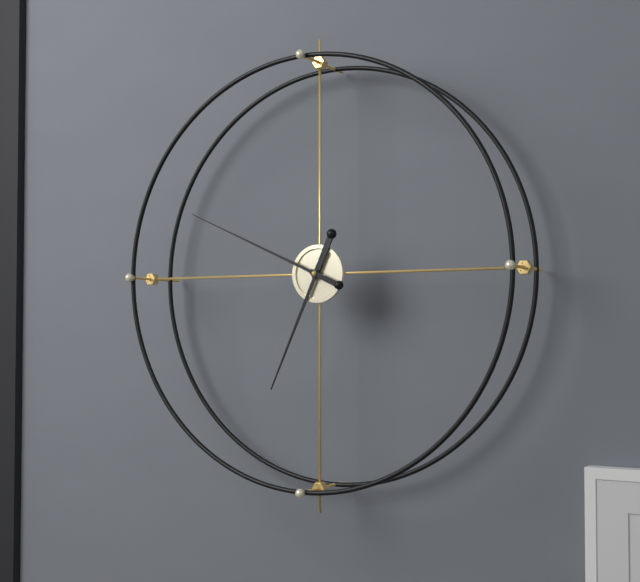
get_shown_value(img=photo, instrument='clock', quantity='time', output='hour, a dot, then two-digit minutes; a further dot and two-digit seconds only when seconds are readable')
6.49
